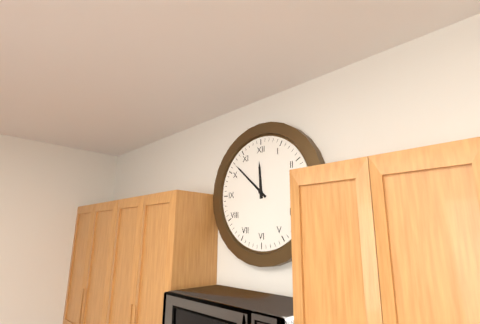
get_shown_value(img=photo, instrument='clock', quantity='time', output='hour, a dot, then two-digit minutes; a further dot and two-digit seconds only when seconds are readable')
11.52
